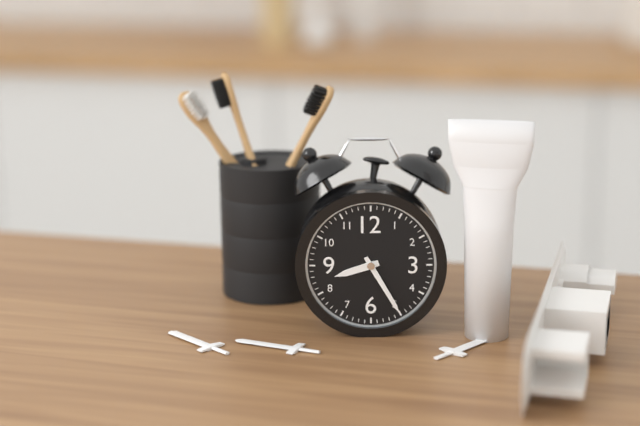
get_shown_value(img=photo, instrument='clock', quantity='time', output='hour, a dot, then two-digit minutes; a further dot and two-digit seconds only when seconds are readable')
8.25
